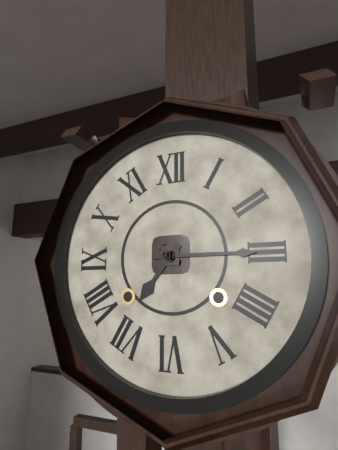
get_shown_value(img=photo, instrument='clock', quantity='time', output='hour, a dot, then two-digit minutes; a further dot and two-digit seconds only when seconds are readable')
7.15
